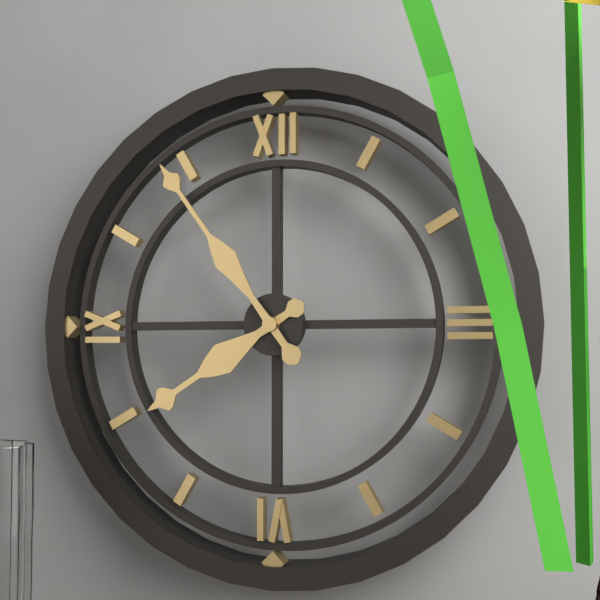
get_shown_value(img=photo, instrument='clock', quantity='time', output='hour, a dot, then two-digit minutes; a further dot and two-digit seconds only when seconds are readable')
7.54
